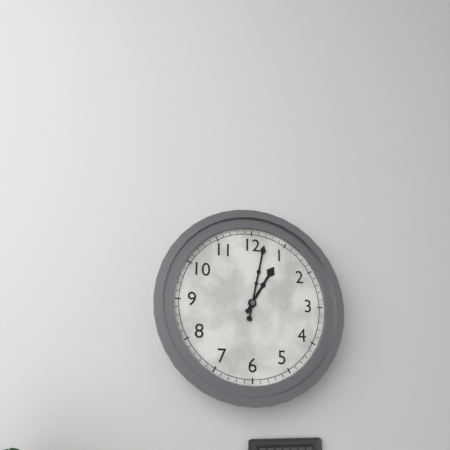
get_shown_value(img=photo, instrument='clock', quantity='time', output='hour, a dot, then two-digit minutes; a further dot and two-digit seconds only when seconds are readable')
1.02
